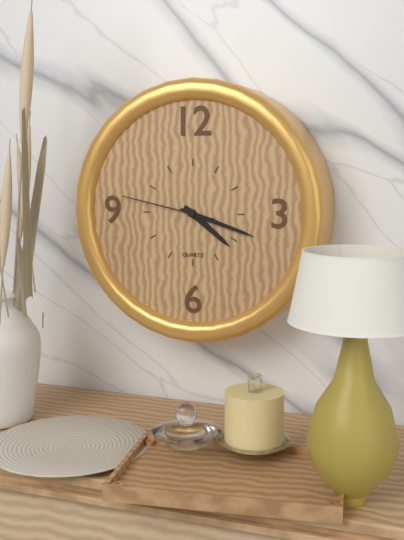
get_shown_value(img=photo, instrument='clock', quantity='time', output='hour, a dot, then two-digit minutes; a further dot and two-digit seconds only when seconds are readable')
4.18.47
